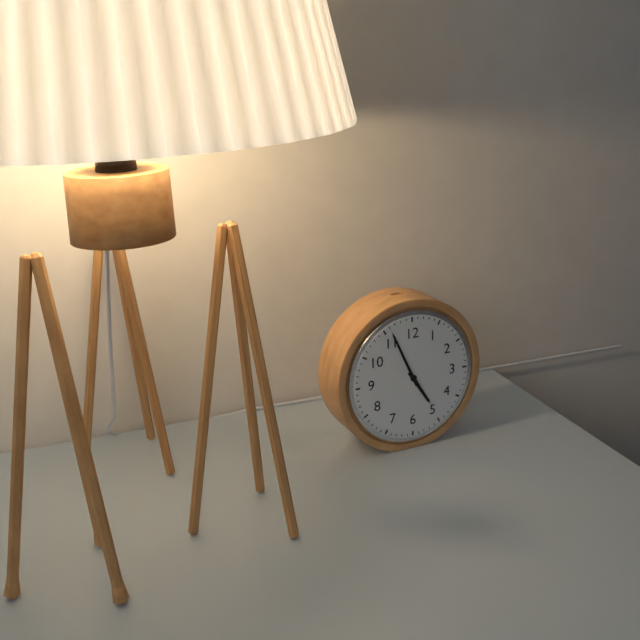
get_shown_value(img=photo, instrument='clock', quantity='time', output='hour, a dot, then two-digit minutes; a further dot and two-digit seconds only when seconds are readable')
4.56
